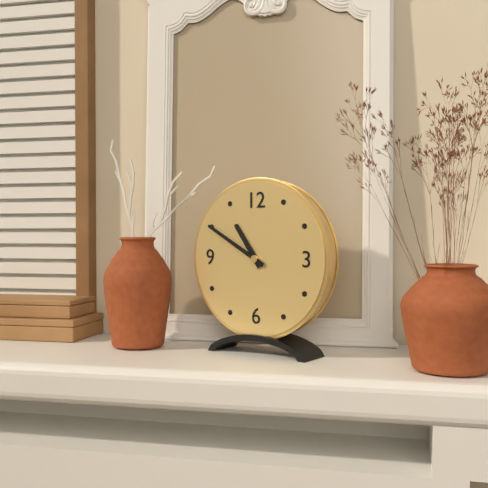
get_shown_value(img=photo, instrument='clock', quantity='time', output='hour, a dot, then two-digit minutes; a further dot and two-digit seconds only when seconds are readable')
10.50
